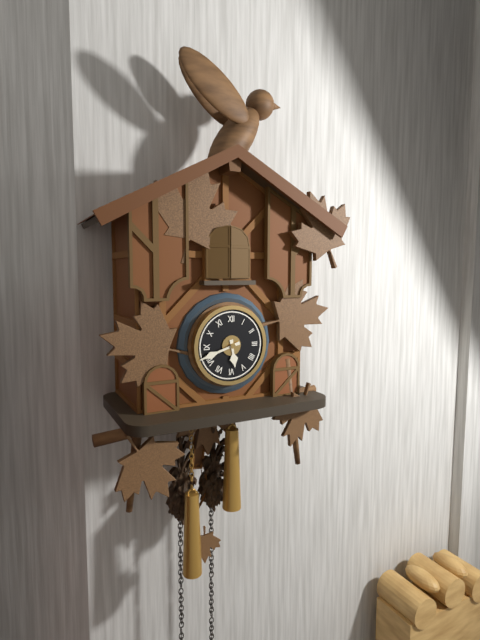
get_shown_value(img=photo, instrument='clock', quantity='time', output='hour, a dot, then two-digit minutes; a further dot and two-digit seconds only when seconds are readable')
5.42
